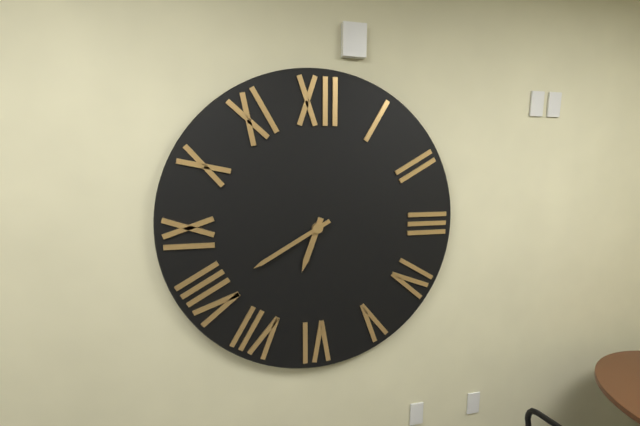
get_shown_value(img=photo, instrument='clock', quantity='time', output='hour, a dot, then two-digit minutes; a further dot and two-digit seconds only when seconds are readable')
6.40
